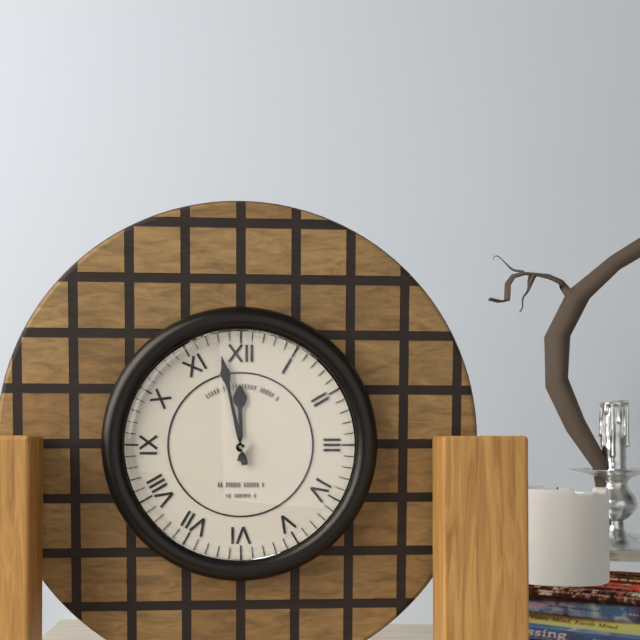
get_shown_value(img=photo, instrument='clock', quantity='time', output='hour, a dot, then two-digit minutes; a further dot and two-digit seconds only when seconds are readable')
11.58
